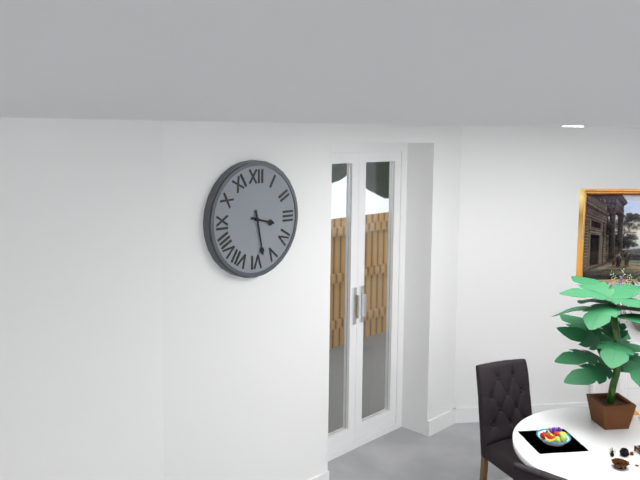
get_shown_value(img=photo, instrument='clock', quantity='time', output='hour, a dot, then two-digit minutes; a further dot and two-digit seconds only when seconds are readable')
3.28
